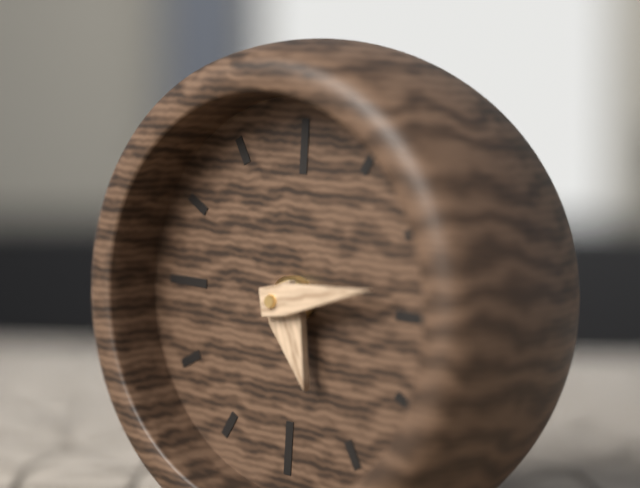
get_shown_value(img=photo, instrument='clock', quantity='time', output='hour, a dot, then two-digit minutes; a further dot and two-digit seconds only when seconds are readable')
5.13
